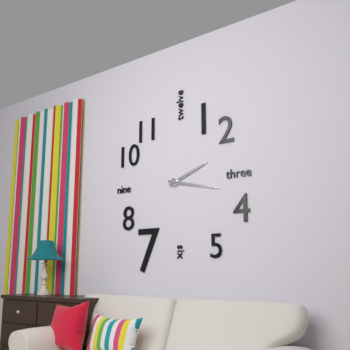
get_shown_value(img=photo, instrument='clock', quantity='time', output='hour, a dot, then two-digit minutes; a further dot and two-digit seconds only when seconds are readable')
2.17
